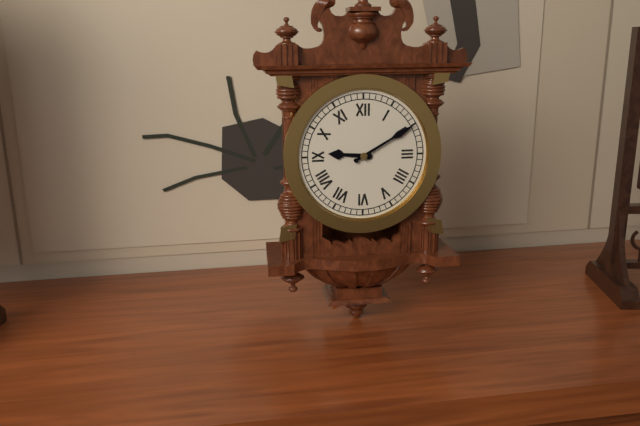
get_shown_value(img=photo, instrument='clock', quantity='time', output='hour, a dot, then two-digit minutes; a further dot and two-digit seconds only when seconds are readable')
9.10
